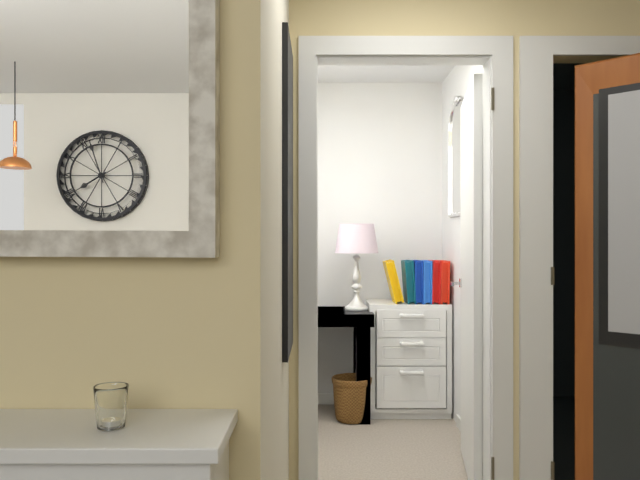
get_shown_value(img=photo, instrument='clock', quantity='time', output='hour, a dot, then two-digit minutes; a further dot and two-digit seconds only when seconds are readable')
7.57
